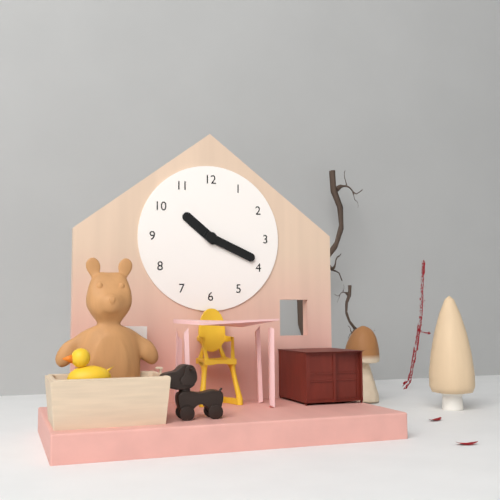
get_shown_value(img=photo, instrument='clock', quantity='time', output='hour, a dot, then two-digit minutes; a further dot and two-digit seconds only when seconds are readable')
10.19
